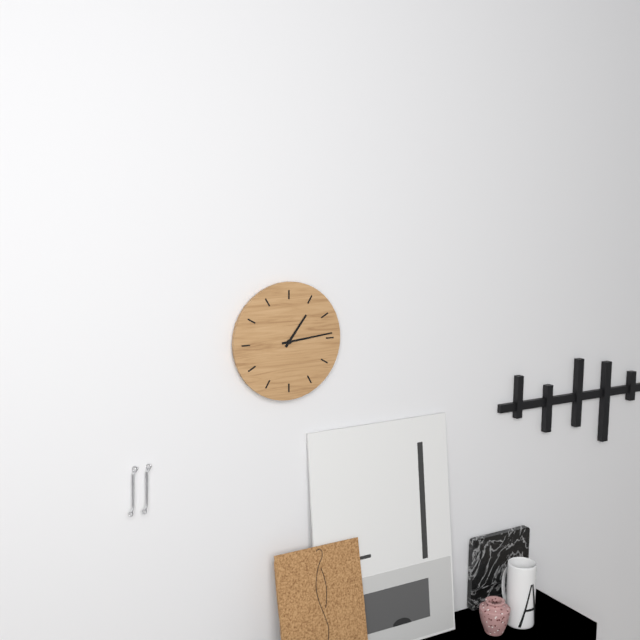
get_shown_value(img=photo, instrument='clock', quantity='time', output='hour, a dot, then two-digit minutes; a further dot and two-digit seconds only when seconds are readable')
1.14
